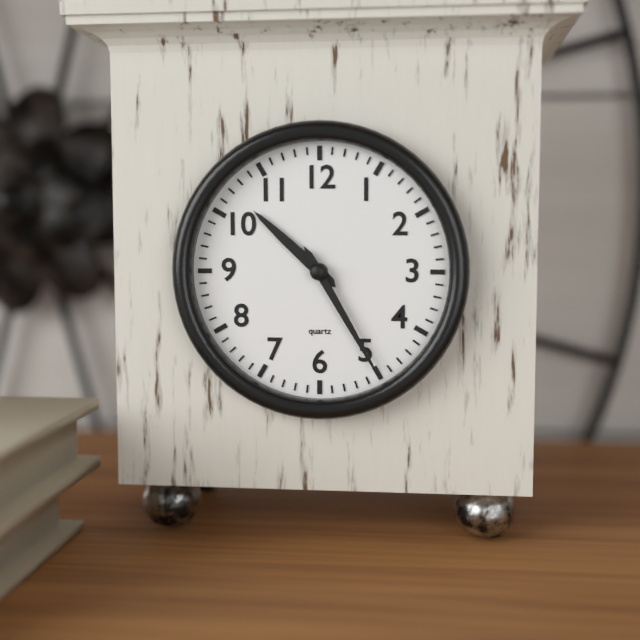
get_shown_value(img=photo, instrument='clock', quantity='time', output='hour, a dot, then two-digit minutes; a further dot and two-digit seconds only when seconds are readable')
10.25
